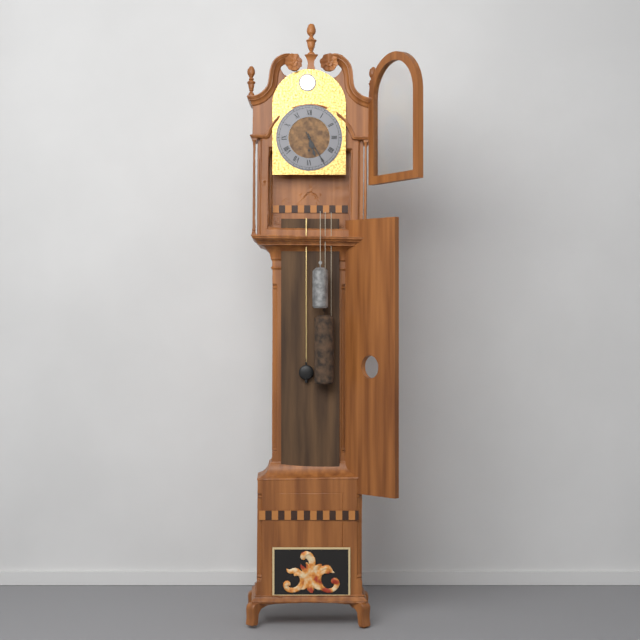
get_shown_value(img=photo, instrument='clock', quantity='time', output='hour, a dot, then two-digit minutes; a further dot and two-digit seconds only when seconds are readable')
5.25
